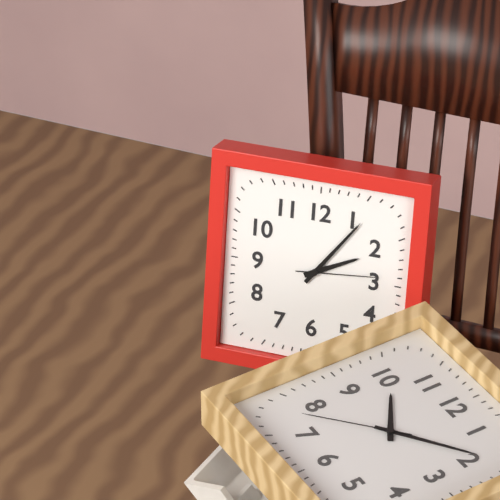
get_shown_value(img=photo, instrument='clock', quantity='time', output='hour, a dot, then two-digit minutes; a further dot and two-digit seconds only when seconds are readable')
2.06.14
